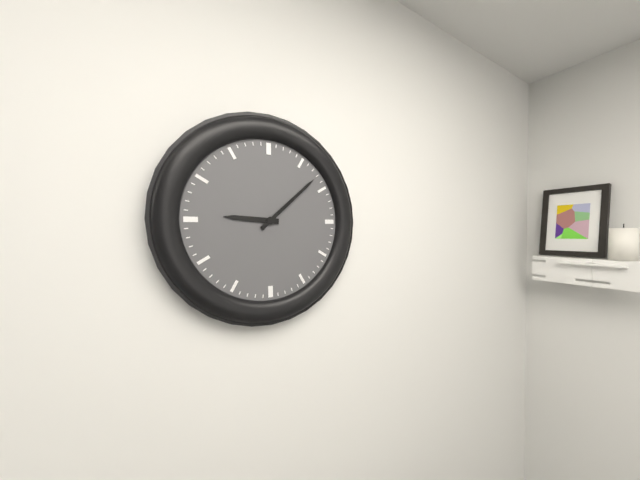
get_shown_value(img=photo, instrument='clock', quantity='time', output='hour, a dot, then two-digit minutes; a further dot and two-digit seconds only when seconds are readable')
9.08
